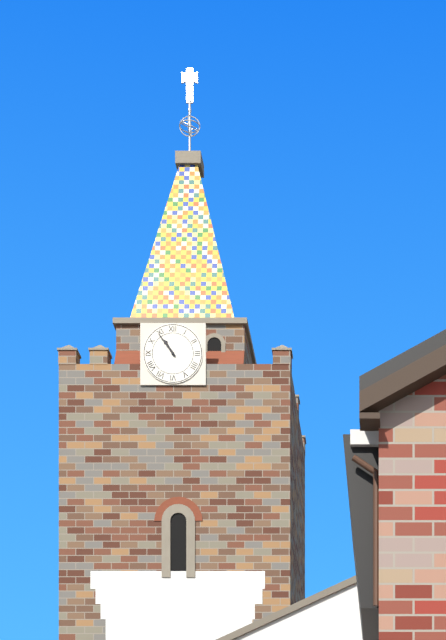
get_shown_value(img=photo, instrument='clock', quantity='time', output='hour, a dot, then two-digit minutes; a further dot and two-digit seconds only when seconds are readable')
10.54
